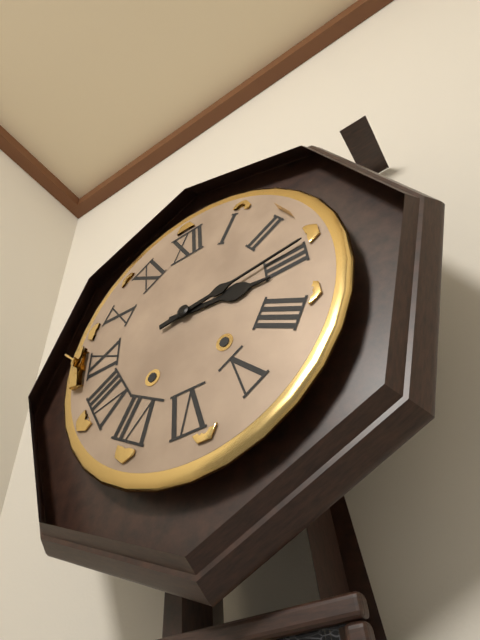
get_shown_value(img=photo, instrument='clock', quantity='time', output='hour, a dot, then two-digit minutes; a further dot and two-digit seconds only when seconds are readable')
3.14
